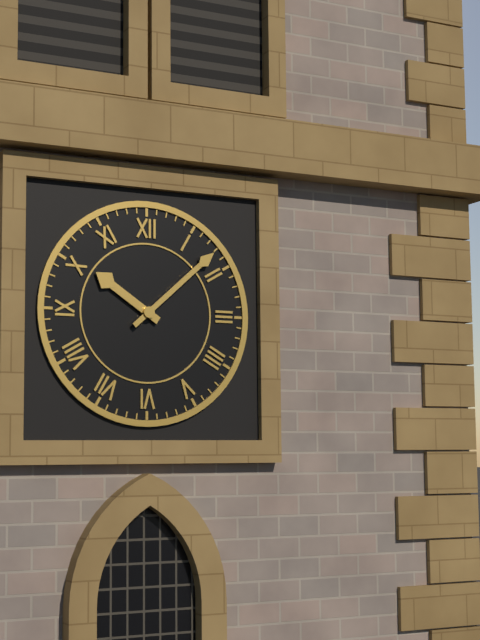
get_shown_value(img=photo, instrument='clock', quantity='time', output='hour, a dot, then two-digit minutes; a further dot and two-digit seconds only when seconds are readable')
10.08
